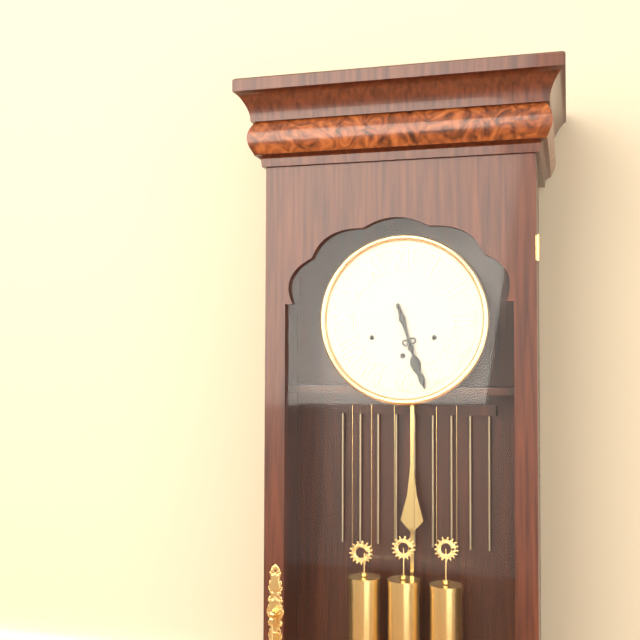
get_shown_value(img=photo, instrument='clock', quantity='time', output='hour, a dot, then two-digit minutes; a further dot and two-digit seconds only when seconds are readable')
5.27
